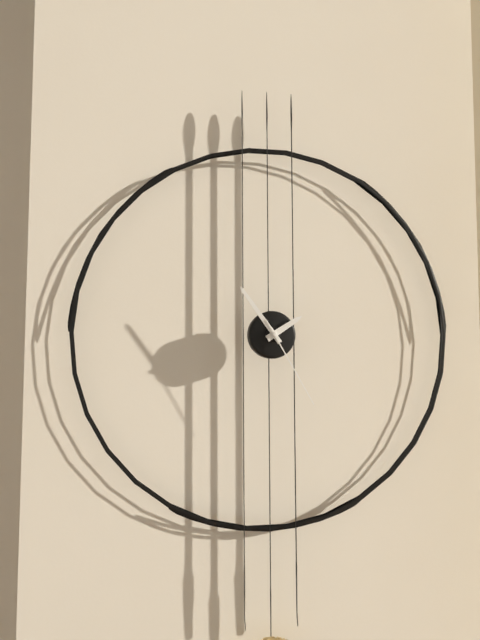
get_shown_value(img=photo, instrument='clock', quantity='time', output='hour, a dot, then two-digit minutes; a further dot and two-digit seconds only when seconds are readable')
1.54.25
